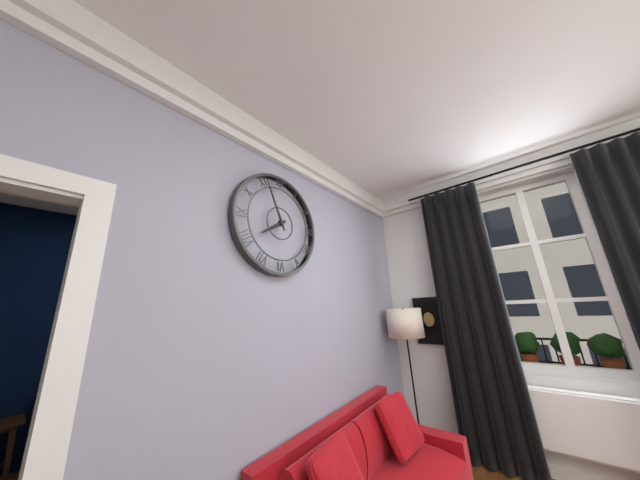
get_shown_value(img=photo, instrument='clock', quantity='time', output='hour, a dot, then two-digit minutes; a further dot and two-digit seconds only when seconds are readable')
7.56
